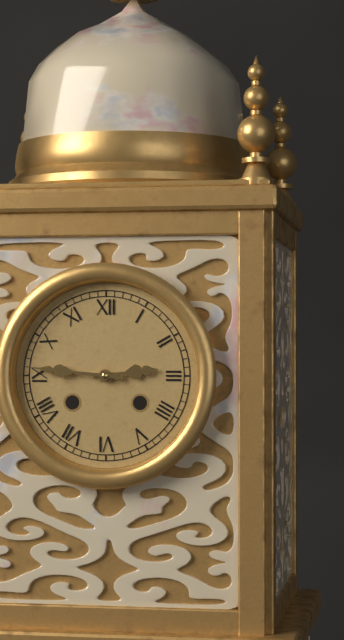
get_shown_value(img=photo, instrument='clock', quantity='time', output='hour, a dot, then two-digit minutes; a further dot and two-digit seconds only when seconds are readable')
2.46
